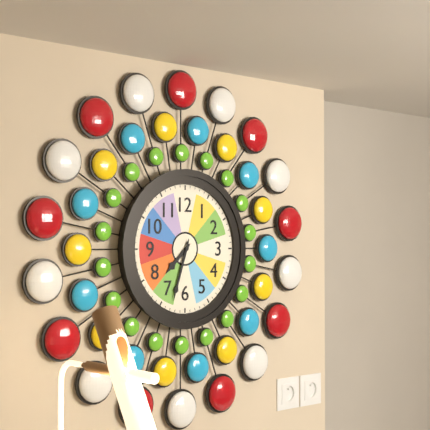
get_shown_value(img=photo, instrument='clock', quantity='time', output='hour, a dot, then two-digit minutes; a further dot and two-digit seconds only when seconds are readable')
7.33
